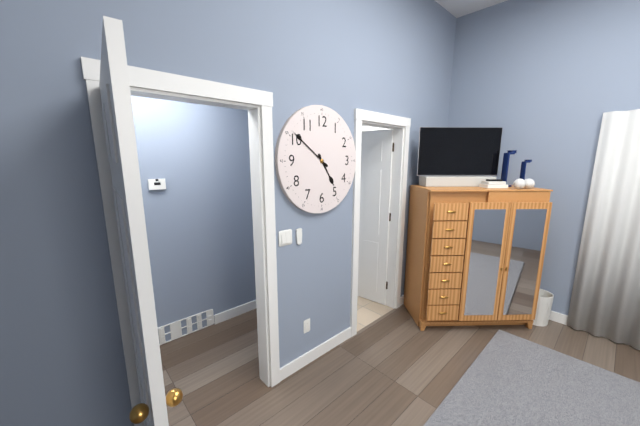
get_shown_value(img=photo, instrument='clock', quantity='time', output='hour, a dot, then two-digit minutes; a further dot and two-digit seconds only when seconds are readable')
4.51
